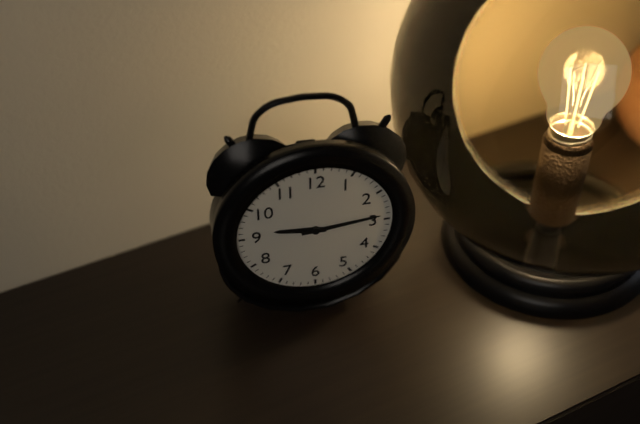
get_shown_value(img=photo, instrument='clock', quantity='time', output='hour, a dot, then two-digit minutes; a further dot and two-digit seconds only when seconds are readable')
9.14
